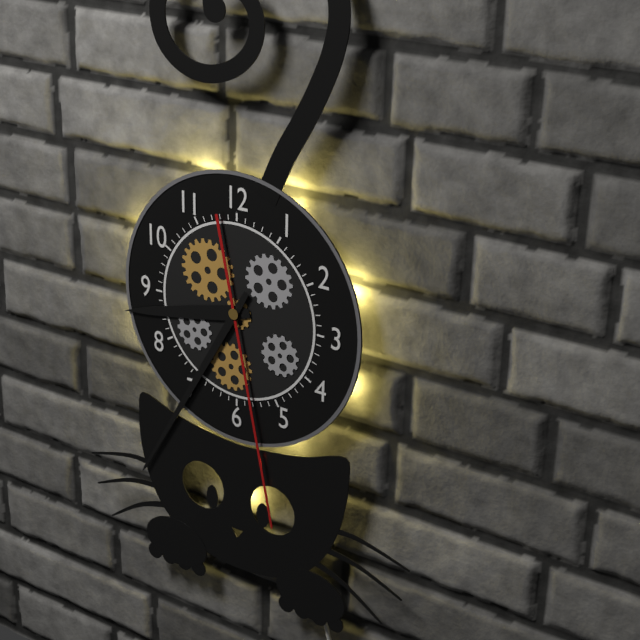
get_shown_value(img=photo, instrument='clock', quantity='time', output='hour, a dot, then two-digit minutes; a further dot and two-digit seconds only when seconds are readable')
8.35.28
